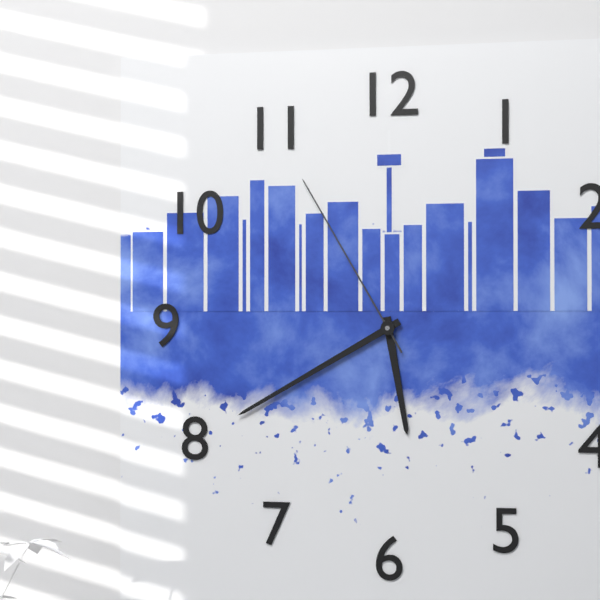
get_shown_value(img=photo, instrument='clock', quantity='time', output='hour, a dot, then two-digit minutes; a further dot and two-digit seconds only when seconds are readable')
5.40.55
